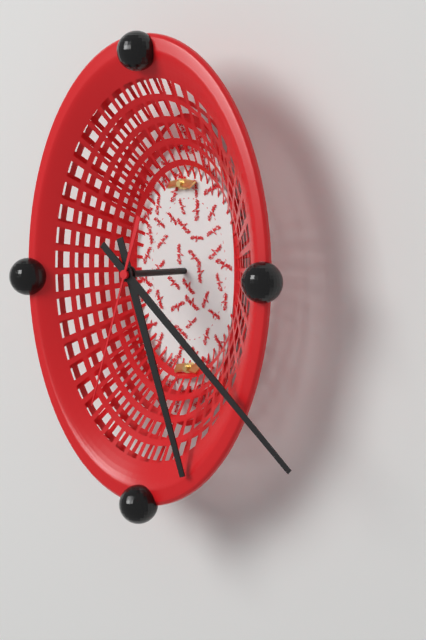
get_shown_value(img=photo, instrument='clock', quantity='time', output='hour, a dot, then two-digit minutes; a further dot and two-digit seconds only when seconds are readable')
5.22.33
